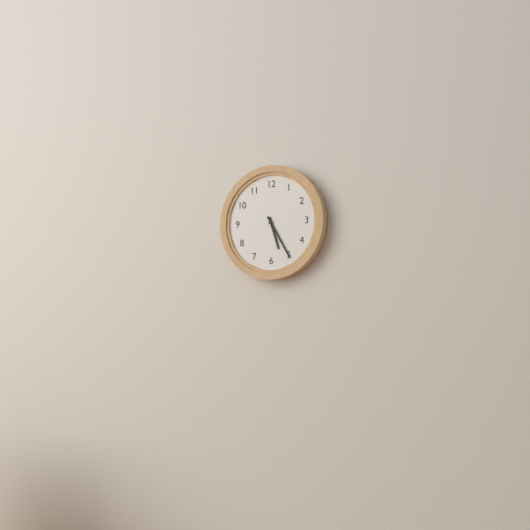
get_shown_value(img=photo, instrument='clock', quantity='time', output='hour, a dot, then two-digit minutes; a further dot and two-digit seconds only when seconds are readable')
5.25
